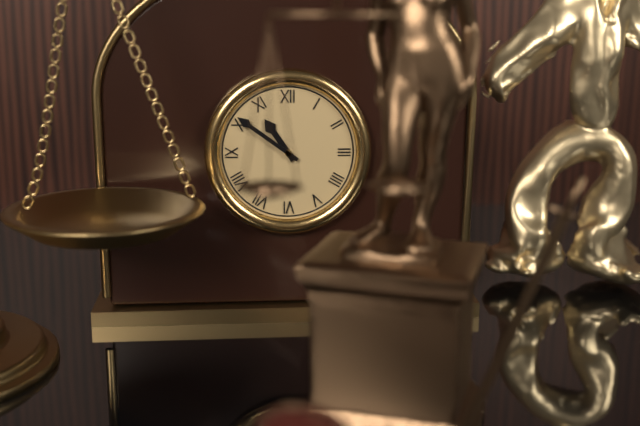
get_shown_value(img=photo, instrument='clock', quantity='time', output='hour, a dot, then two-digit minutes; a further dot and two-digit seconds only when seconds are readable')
10.51
